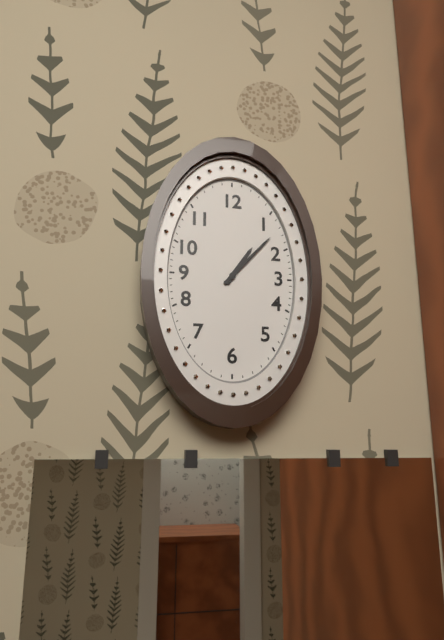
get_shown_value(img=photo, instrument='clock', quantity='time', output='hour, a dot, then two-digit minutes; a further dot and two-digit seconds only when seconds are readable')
1.07
